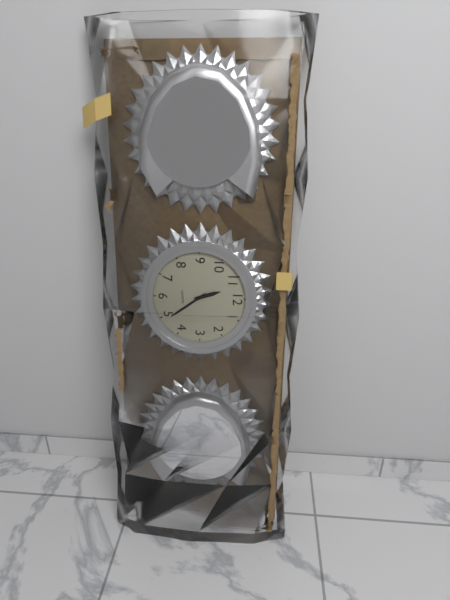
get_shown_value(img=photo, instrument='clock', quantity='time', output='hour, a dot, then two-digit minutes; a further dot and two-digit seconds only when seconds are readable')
11.24
